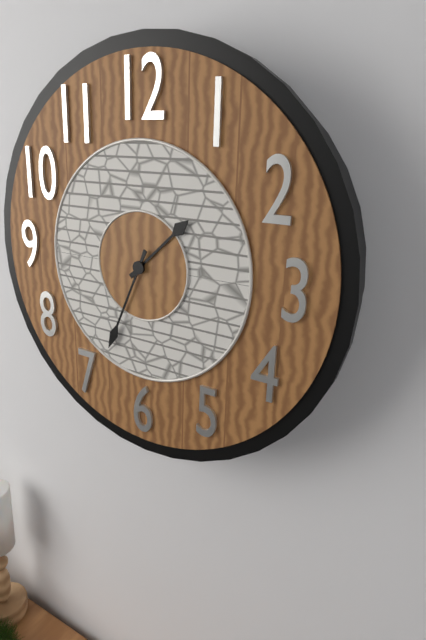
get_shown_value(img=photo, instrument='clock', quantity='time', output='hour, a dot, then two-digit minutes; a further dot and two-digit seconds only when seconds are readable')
1.34
